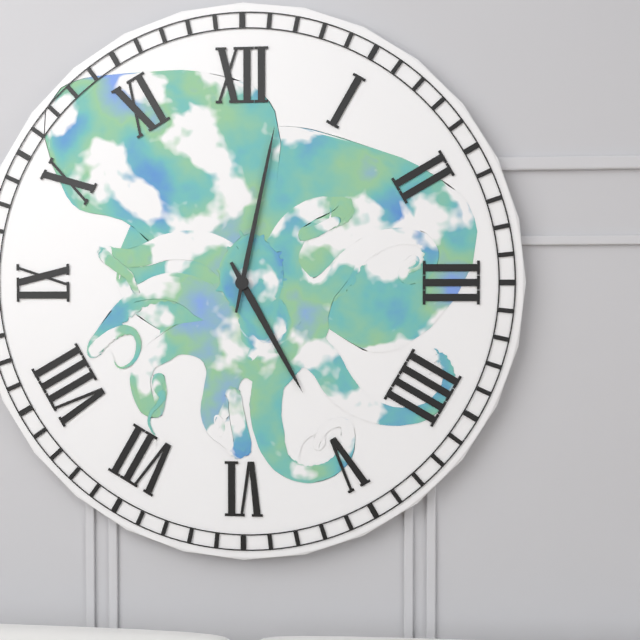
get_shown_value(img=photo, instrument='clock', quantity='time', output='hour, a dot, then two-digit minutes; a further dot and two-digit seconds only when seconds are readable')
5.02
